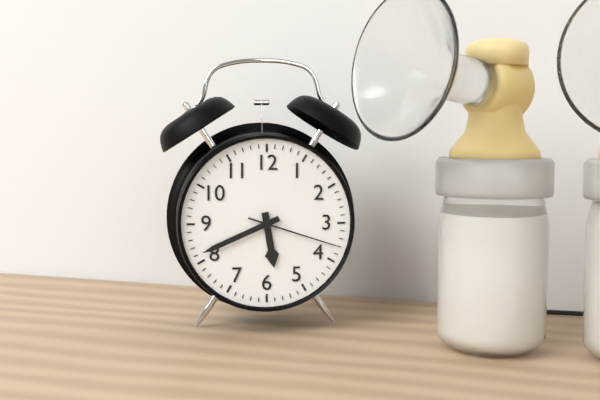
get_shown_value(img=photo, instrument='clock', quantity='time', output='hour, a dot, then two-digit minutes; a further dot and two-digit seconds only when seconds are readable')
5.41.18
